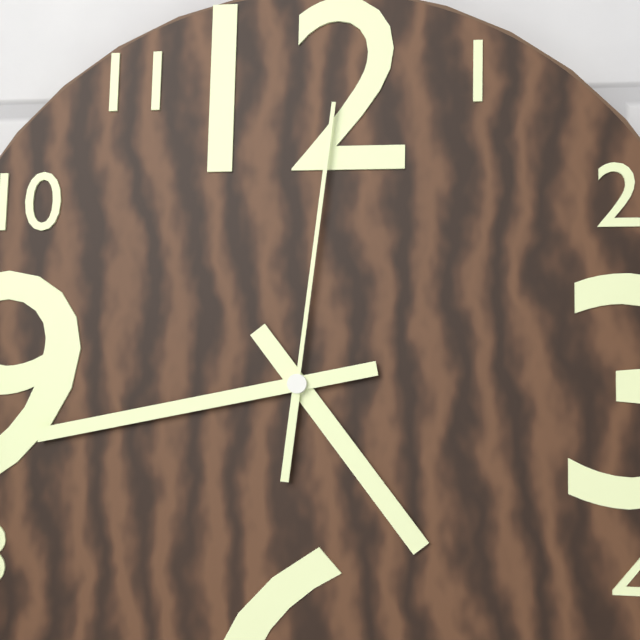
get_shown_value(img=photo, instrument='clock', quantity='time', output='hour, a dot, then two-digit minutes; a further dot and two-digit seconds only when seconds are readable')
4.43.01
